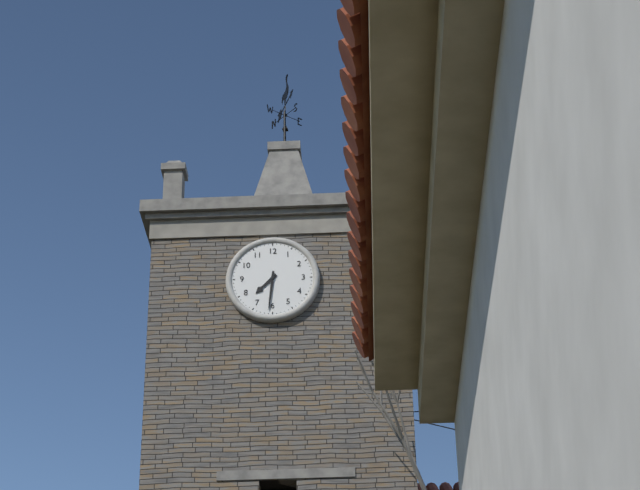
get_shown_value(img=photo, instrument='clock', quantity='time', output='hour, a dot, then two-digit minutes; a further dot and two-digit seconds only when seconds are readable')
7.31
